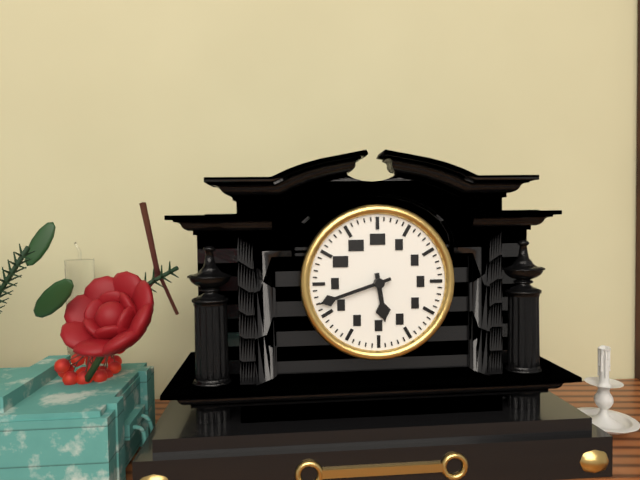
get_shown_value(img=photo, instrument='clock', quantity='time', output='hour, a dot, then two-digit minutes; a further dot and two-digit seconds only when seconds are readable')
5.42
